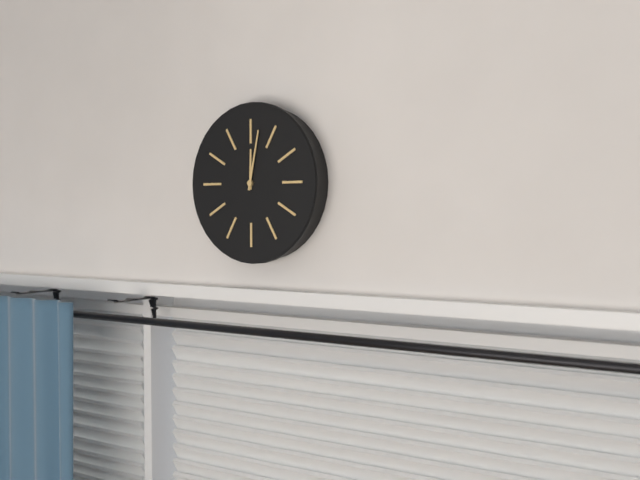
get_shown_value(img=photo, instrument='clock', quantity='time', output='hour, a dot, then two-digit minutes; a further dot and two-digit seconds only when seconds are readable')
12.02
